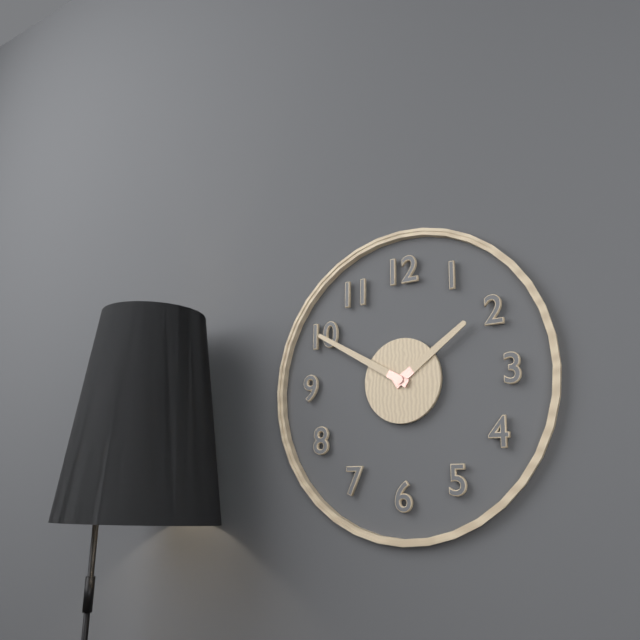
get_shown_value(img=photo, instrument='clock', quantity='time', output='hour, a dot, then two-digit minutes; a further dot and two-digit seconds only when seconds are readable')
1.50
